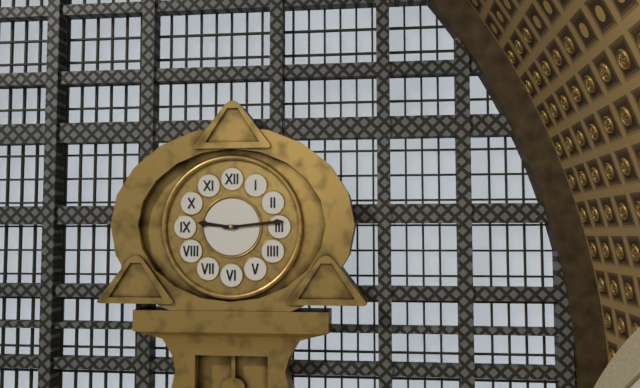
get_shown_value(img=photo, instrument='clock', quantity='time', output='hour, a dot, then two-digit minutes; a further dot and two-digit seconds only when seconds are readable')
9.14
